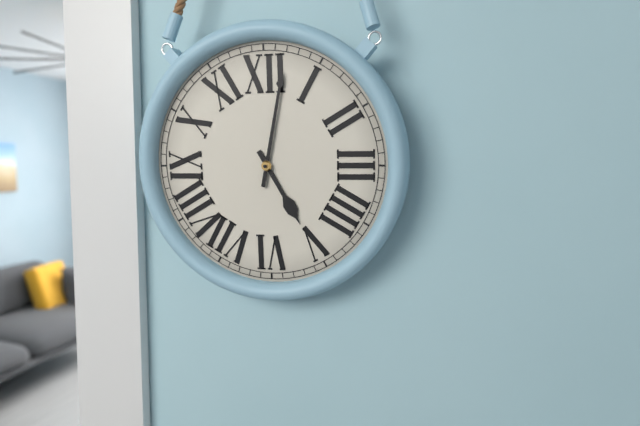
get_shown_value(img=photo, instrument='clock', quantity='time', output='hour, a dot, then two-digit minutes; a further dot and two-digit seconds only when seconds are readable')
5.02
